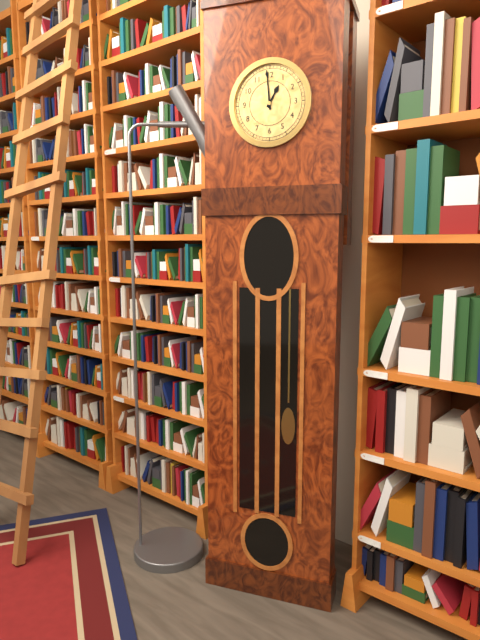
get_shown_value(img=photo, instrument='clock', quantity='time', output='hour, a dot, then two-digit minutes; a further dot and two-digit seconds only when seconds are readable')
12.59
